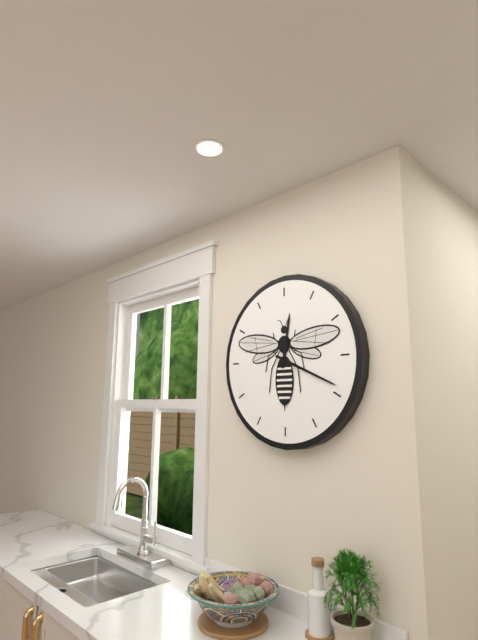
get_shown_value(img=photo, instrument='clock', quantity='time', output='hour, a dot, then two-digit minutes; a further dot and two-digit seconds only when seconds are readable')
12.19
